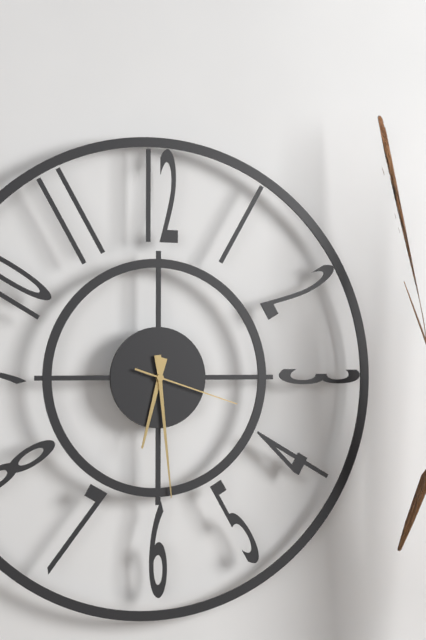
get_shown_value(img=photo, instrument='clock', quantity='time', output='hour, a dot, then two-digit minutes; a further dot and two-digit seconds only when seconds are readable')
6.29.18
